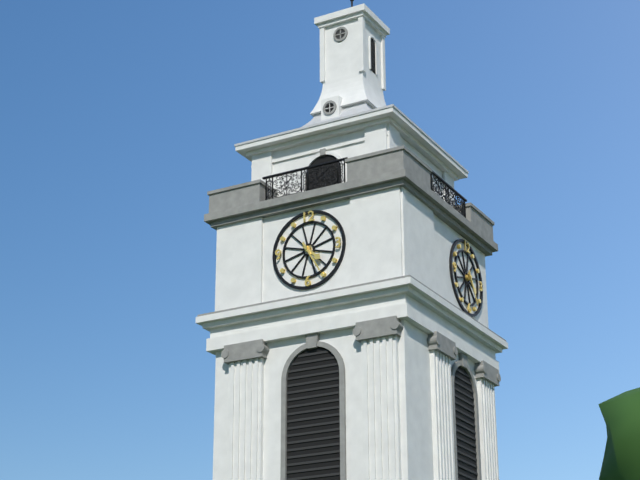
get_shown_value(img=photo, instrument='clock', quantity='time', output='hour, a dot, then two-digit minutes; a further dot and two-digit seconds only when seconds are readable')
4.25
